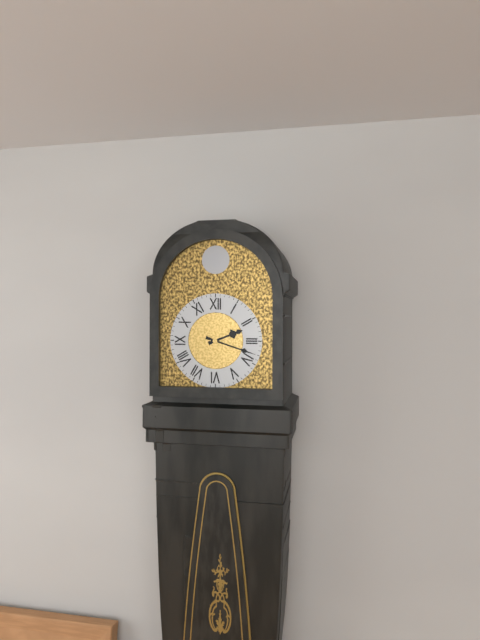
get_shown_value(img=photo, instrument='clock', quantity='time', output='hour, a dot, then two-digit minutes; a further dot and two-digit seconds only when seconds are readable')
2.18
